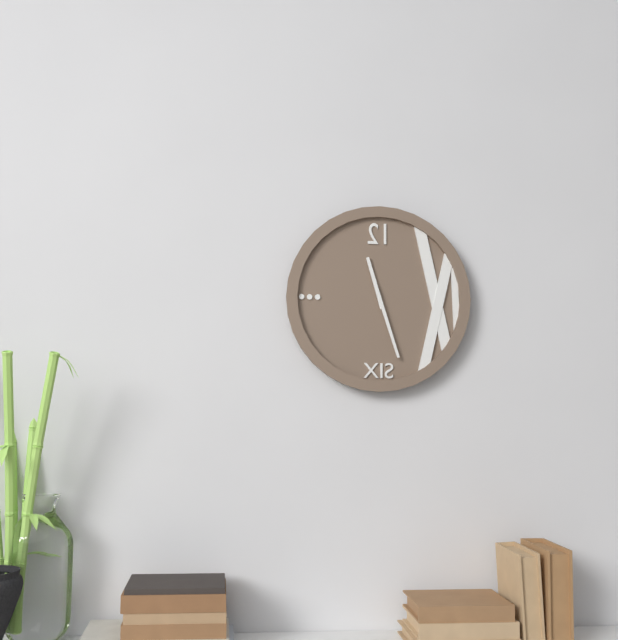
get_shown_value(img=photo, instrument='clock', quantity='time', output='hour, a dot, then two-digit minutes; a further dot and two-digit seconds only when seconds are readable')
11.27
